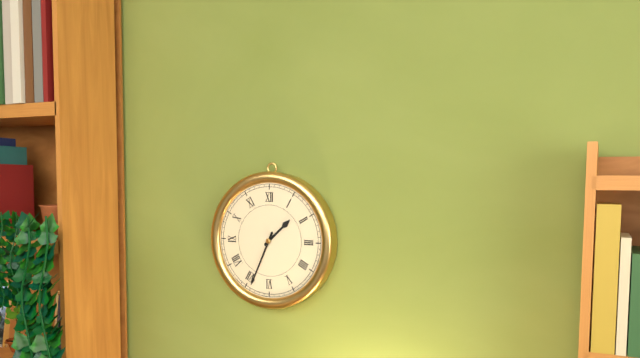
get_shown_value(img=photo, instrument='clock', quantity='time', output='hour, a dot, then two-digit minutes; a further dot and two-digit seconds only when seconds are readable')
1.34
